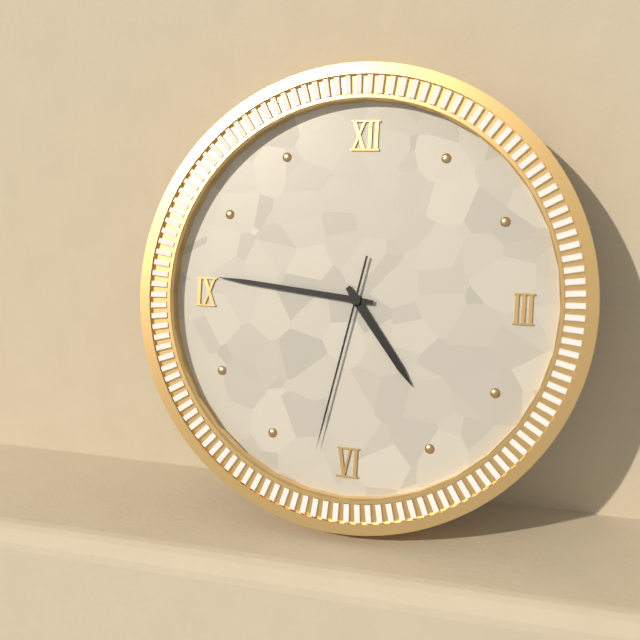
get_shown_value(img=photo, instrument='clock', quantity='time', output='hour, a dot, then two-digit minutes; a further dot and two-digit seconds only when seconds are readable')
4.46.32
